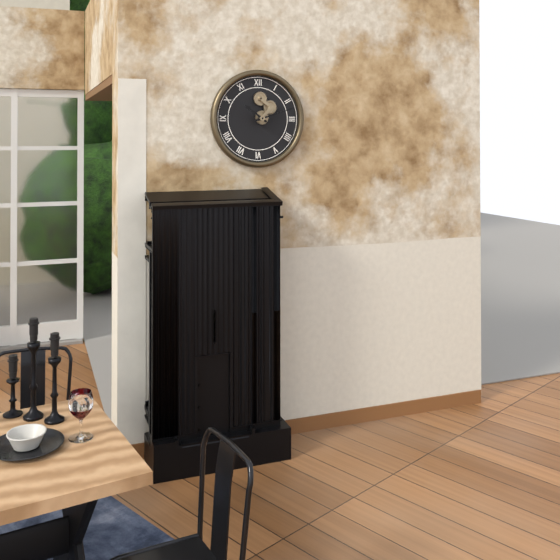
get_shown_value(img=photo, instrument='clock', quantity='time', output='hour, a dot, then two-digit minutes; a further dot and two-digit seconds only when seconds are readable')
10.12
